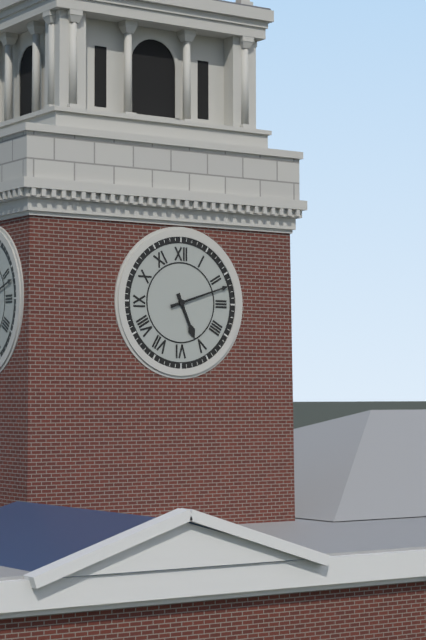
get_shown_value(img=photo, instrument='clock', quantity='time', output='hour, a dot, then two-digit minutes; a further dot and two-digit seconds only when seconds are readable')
5.12
